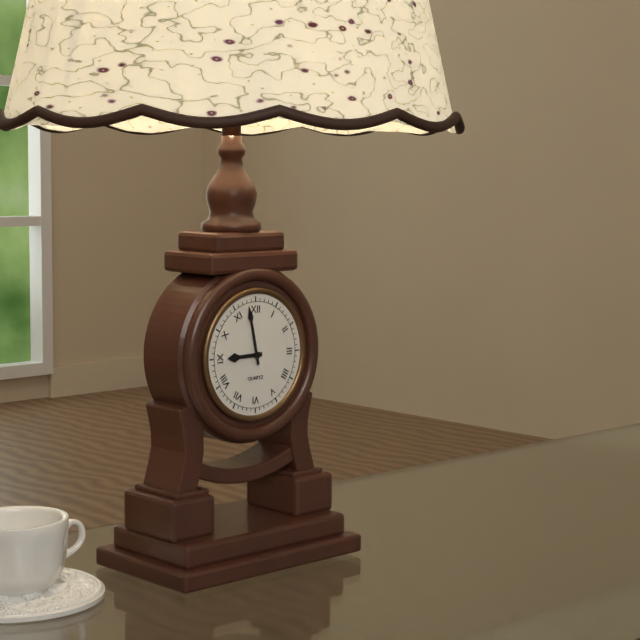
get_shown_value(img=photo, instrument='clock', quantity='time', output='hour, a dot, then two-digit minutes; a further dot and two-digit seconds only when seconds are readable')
8.58
